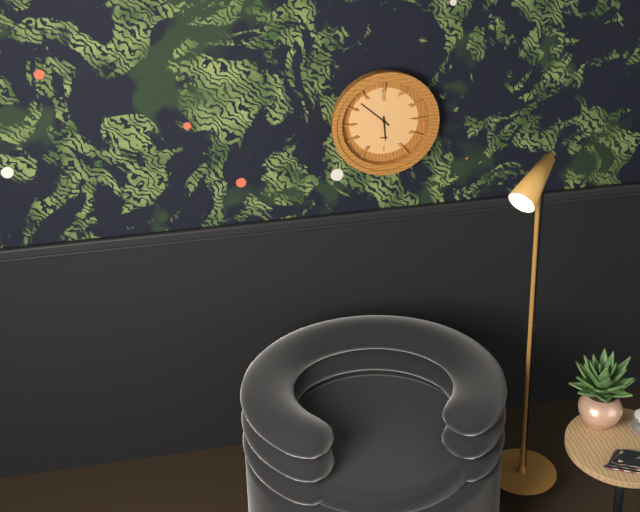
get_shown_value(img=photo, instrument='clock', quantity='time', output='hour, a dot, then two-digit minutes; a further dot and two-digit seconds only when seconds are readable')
5.52
